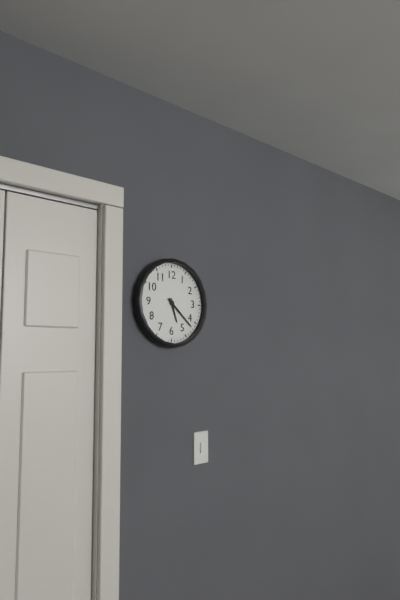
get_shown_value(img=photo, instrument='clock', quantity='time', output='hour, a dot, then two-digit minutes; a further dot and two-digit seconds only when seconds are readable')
5.22
